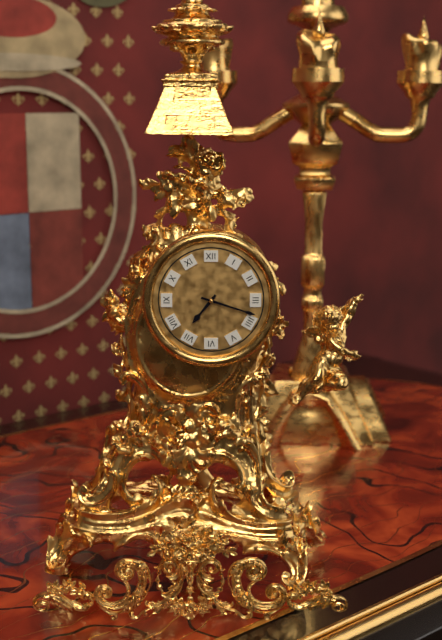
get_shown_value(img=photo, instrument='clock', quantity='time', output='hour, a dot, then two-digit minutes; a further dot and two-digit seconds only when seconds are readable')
7.18
